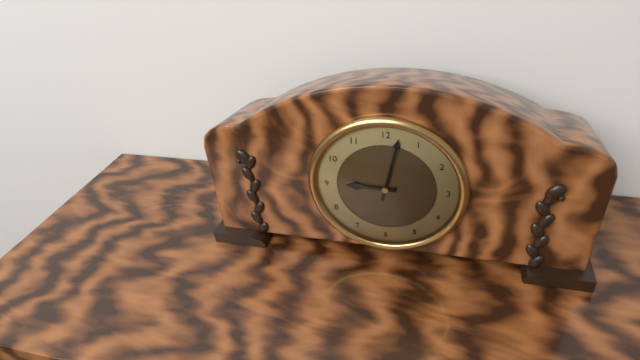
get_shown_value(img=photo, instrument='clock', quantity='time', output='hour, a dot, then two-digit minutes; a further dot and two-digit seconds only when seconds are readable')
9.02
